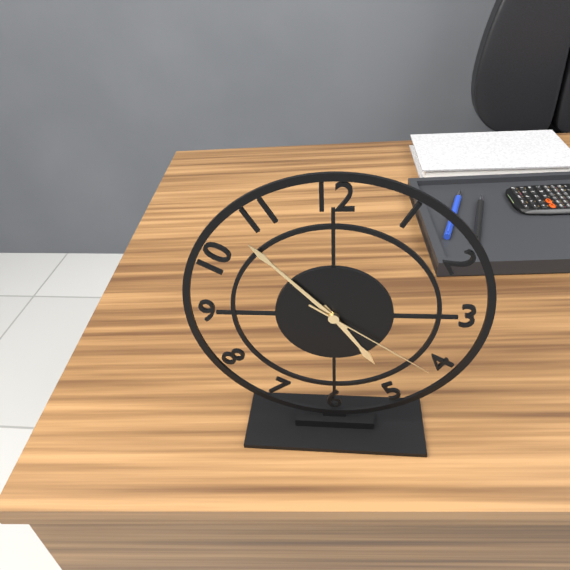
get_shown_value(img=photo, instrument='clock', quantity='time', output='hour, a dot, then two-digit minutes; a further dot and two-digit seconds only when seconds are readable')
4.53.21
